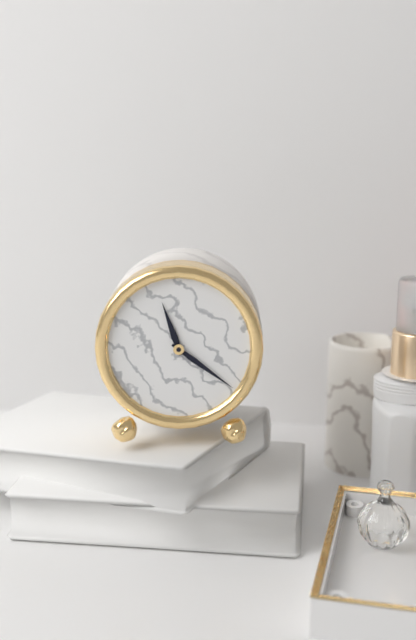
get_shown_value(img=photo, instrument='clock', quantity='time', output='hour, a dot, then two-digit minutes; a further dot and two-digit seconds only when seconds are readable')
11.21
